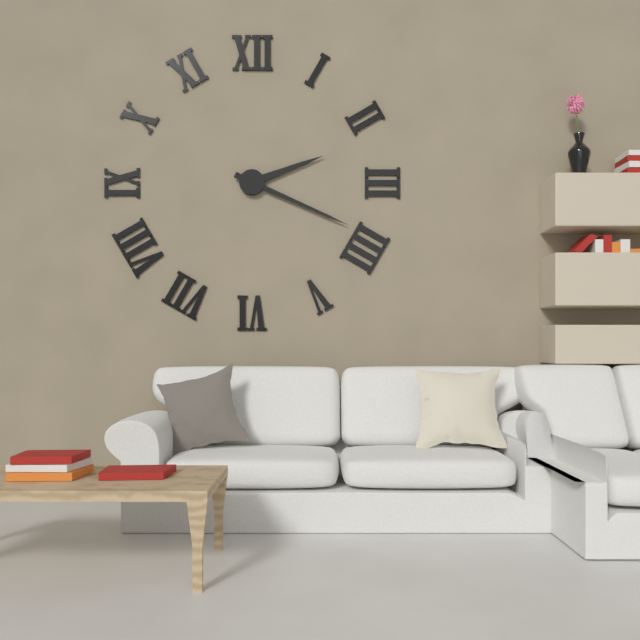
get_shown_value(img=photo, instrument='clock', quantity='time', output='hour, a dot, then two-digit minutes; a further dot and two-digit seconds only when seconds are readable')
2.19
